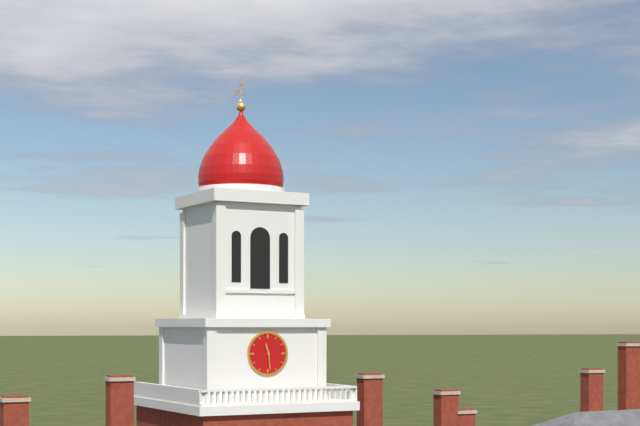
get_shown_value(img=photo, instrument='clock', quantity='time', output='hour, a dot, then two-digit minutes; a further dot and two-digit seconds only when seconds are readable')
11.29
